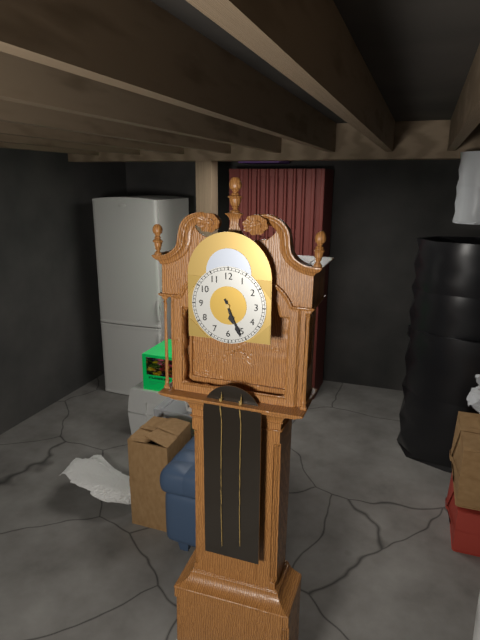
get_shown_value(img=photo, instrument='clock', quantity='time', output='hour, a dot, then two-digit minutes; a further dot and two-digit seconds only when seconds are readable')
5.26
